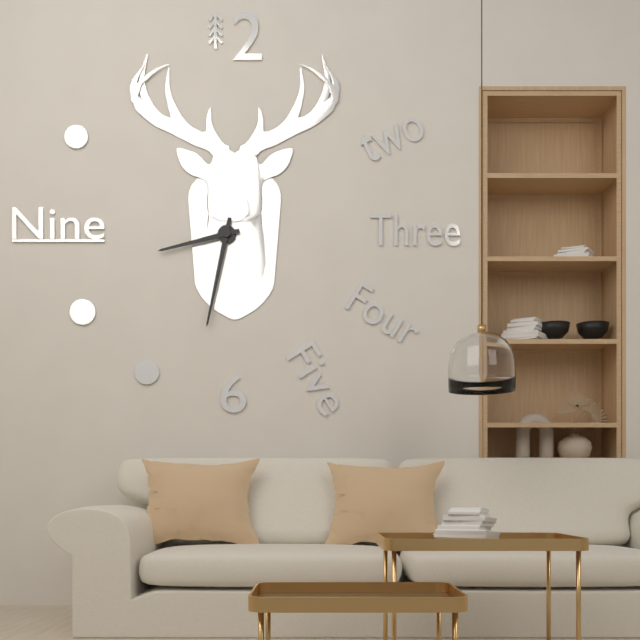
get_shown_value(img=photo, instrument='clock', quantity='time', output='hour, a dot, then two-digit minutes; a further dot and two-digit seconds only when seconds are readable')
8.32
